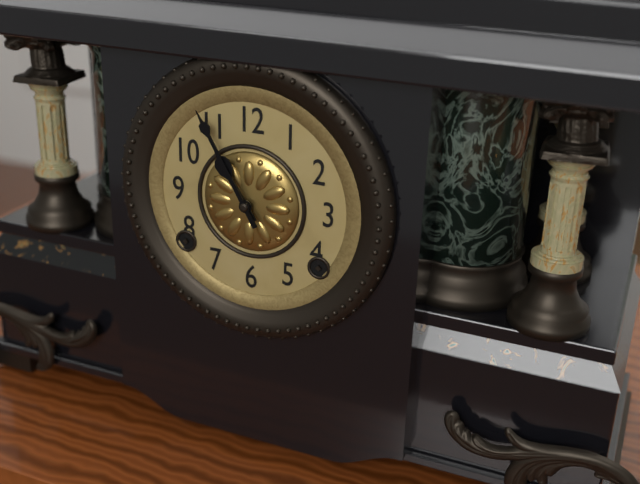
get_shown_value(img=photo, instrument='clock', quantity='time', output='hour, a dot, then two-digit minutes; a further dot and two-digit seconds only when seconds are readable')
10.55
